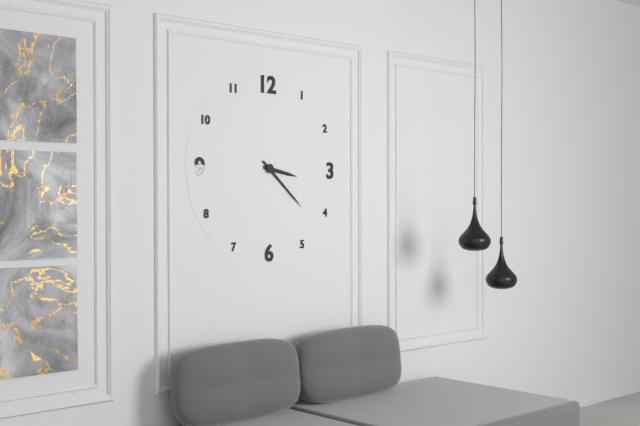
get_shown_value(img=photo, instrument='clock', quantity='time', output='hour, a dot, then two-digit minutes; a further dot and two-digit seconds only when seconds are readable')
3.22
